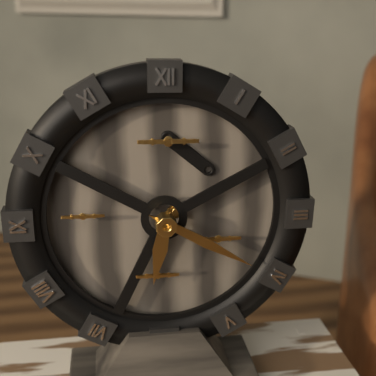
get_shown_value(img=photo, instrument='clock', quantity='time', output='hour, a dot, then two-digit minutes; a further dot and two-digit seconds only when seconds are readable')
6.20
